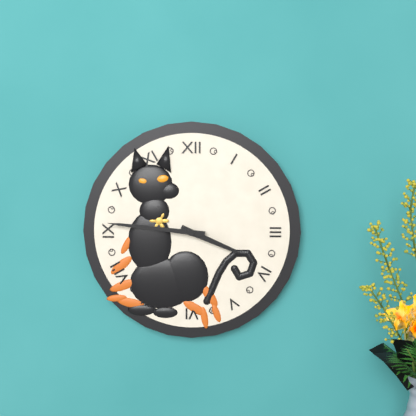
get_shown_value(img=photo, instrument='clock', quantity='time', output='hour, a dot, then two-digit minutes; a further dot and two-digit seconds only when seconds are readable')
3.46
